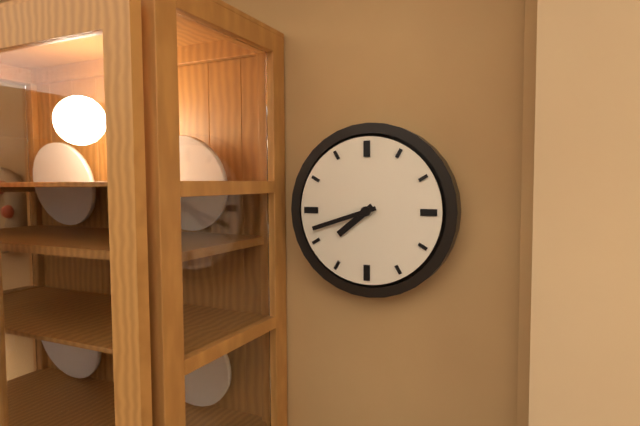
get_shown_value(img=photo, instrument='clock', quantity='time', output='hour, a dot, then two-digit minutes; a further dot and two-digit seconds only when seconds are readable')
7.42
